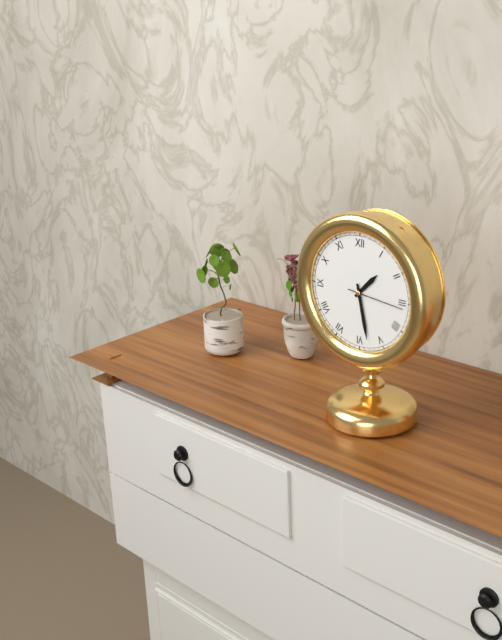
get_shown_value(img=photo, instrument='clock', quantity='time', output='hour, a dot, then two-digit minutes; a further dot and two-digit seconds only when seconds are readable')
1.28.16
